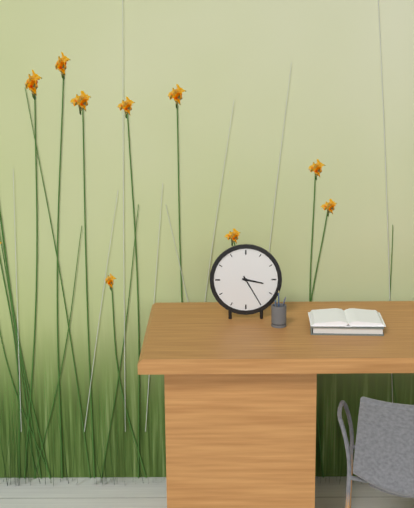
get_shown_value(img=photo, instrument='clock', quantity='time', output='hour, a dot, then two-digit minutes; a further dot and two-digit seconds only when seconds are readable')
3.25
